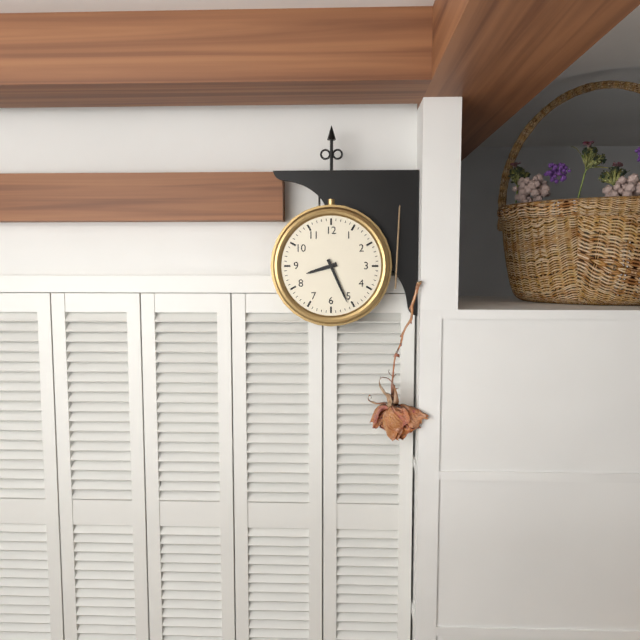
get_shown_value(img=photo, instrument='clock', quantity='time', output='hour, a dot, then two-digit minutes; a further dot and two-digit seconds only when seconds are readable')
8.26
